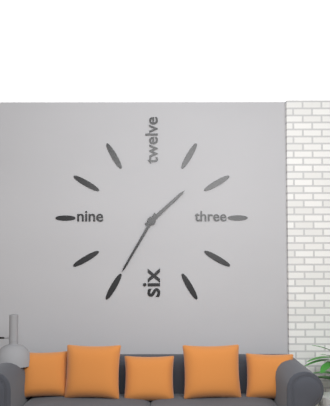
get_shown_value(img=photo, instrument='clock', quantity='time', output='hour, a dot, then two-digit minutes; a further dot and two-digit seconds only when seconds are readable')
1.35
